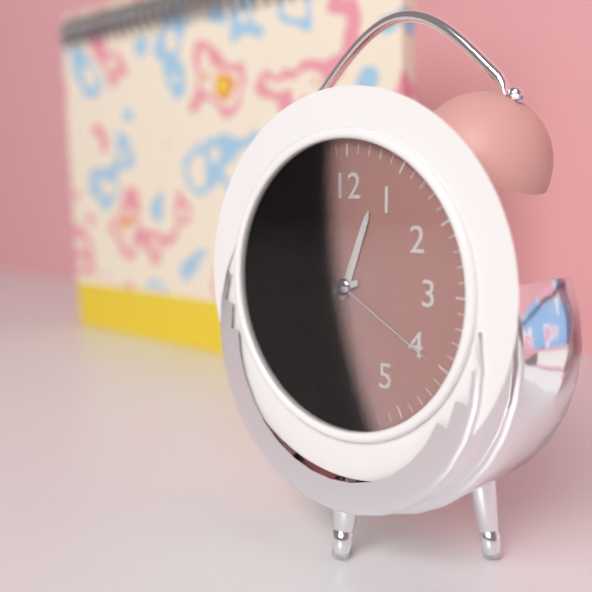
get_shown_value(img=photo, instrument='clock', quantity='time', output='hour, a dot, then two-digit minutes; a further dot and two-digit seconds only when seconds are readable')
12.42.20
